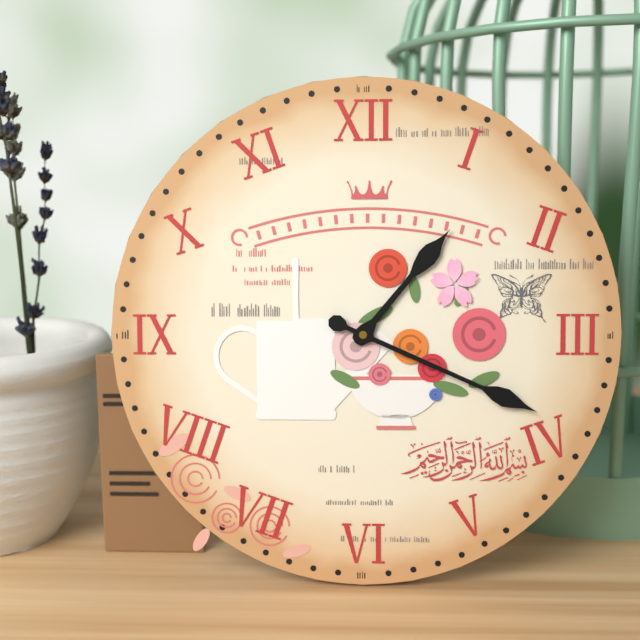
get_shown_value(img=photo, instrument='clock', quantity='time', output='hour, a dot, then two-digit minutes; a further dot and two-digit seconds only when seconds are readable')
1.19
